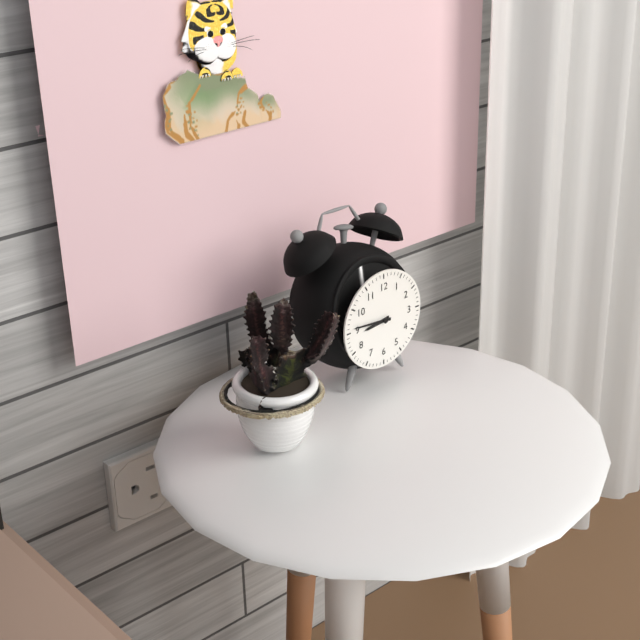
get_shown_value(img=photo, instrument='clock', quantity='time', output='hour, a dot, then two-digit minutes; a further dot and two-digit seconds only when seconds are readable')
8.46
